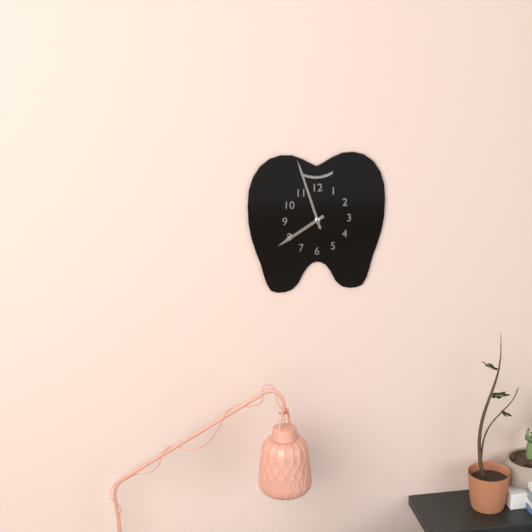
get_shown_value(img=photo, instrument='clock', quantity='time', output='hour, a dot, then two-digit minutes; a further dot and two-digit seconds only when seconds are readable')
7.57
